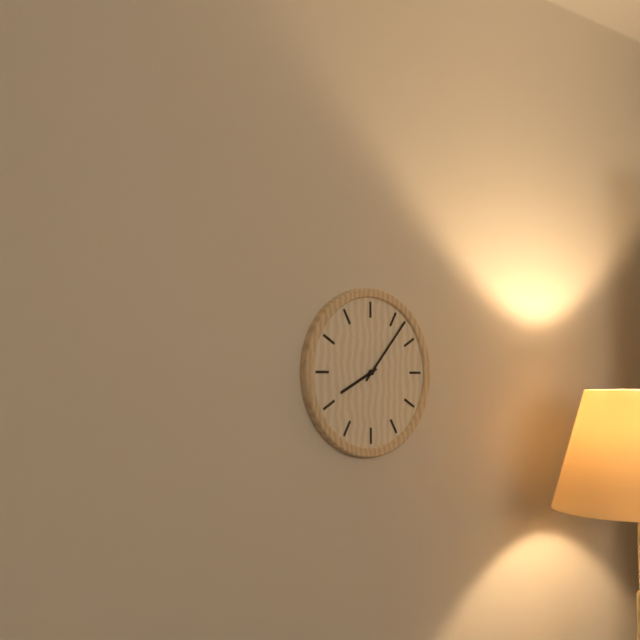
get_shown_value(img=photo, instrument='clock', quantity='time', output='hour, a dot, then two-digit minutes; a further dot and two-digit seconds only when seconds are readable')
8.07
